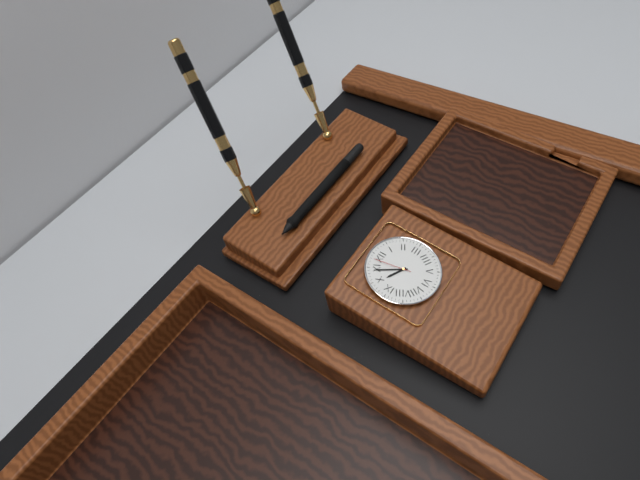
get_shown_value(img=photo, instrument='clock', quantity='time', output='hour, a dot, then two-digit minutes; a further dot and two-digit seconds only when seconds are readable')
9.54
